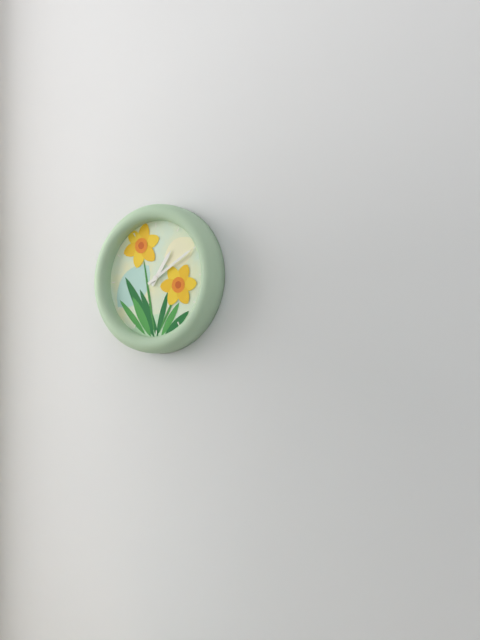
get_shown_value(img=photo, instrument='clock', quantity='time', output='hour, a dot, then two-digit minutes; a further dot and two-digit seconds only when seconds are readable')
1.10
